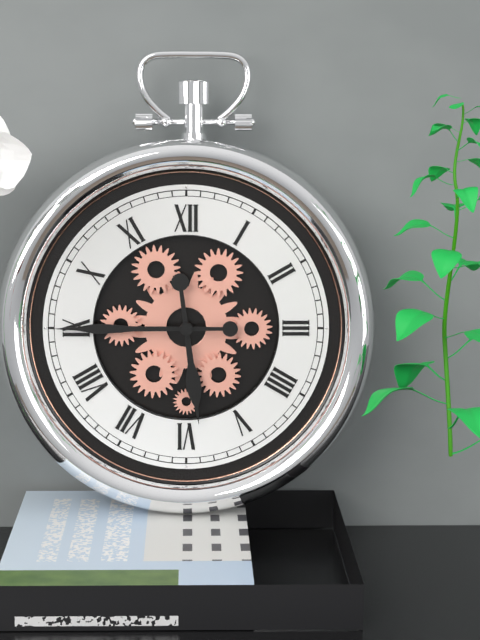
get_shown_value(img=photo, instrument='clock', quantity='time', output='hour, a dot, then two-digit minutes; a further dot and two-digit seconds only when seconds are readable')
5.45
